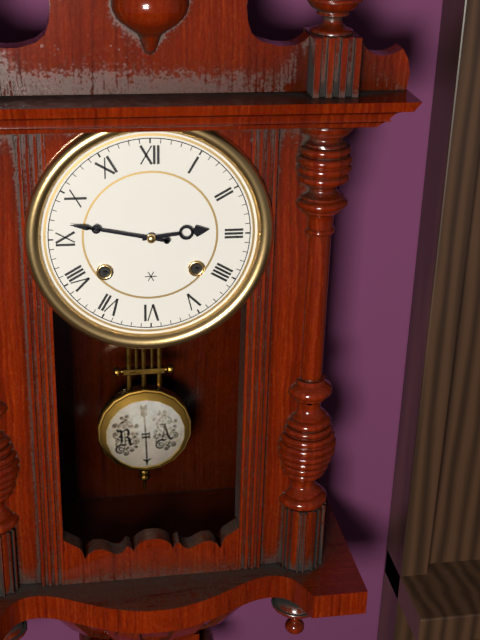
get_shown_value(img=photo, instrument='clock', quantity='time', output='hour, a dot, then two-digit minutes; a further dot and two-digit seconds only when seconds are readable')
2.47
